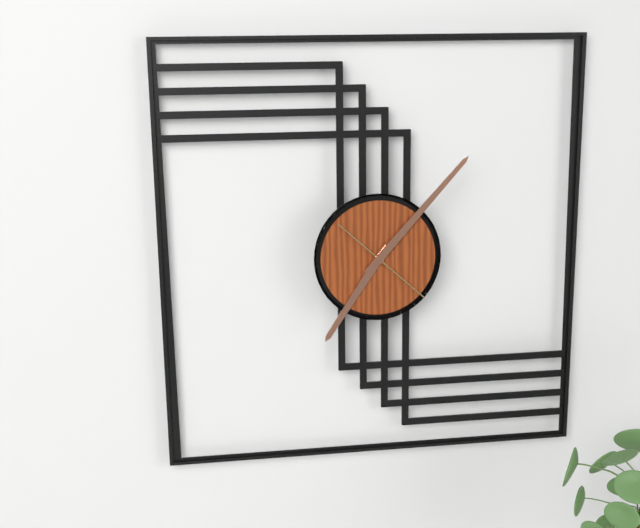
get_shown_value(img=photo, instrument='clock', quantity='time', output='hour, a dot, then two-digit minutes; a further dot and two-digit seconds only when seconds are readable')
7.07.22
